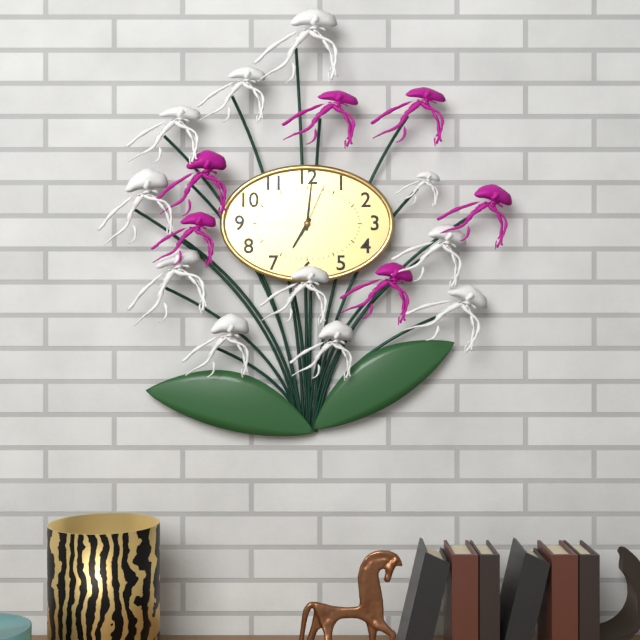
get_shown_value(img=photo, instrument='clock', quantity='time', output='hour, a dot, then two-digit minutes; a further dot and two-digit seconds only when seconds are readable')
7.01.04
